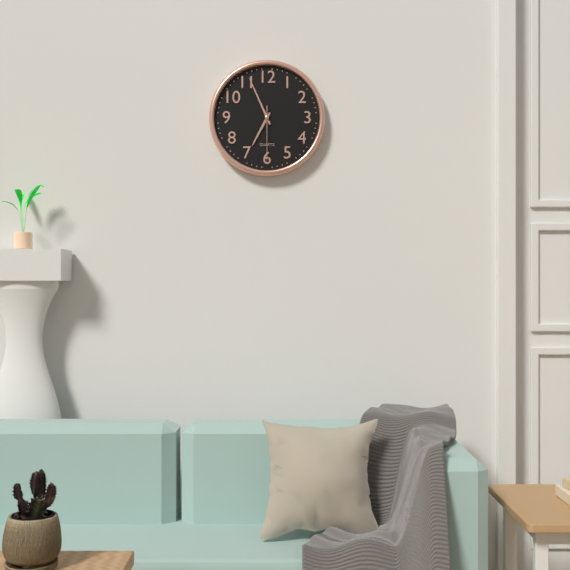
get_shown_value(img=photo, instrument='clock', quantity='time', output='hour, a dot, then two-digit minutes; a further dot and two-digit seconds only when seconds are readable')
6.56.30
